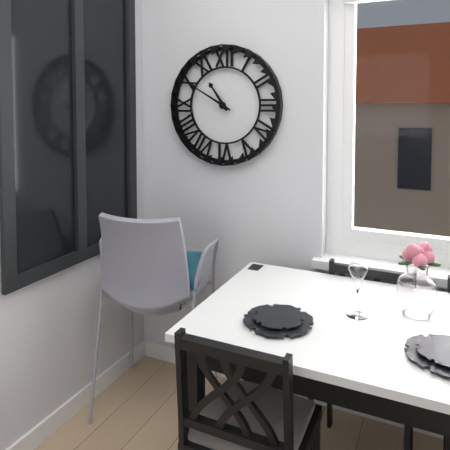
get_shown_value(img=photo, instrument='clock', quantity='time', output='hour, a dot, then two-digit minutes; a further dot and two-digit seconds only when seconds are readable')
10.50
